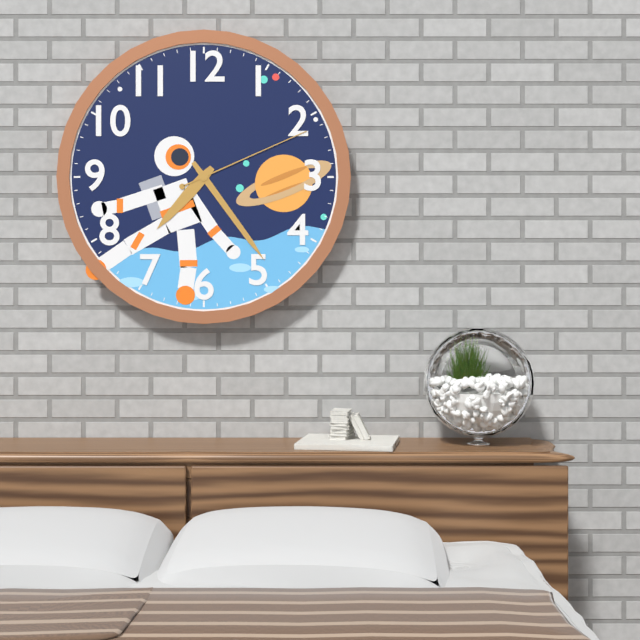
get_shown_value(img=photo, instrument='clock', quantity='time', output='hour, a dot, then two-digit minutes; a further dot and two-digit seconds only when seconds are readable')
7.24.11
